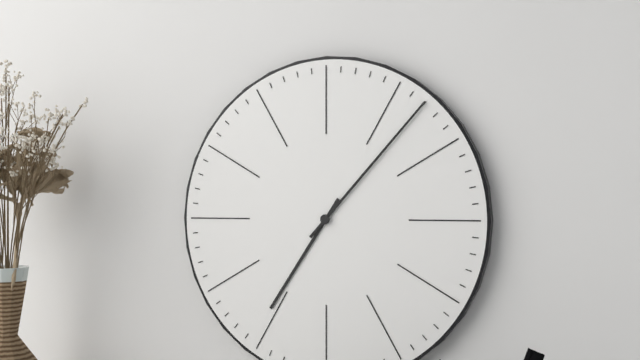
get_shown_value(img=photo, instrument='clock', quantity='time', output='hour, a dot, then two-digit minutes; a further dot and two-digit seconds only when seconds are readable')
7.07
